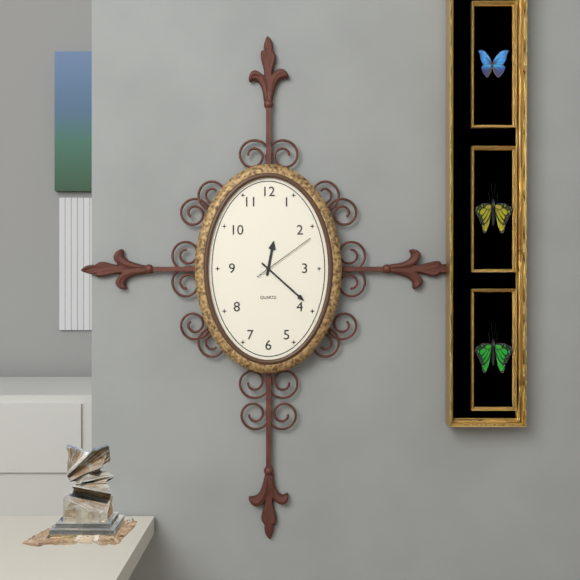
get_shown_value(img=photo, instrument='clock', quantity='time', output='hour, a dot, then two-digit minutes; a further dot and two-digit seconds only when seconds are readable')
12.22.09
